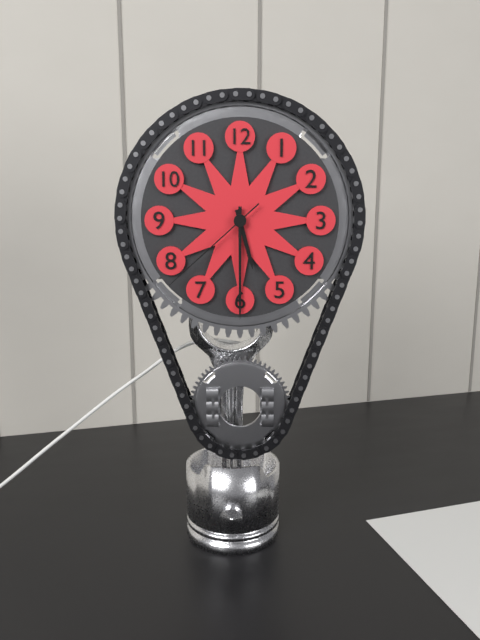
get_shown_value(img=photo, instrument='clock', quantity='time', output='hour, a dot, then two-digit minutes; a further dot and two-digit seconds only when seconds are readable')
5.30.38
